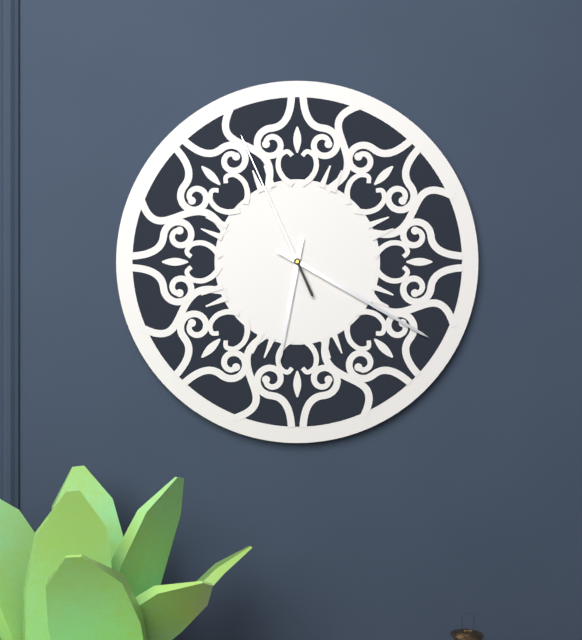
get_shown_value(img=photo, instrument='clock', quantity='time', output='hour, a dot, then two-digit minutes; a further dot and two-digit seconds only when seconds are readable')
6.20.56
